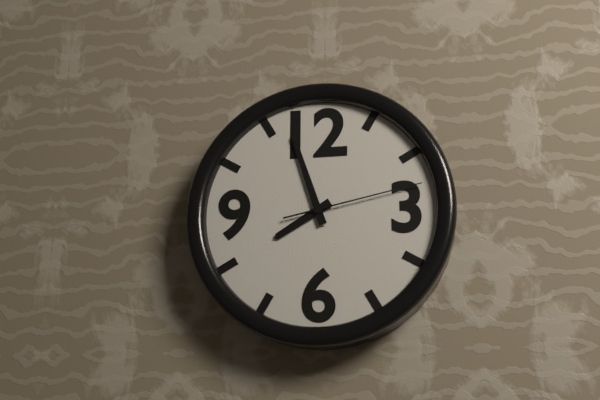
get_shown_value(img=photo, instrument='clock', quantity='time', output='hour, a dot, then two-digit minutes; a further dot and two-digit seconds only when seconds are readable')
7.57.13
